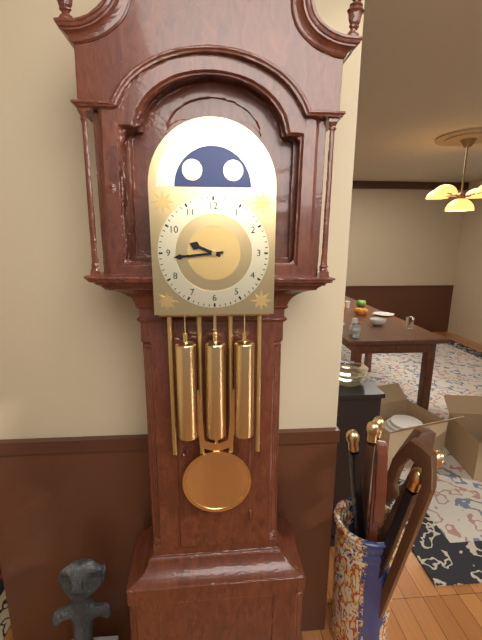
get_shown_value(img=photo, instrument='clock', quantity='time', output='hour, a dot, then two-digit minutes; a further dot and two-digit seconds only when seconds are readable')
9.44
